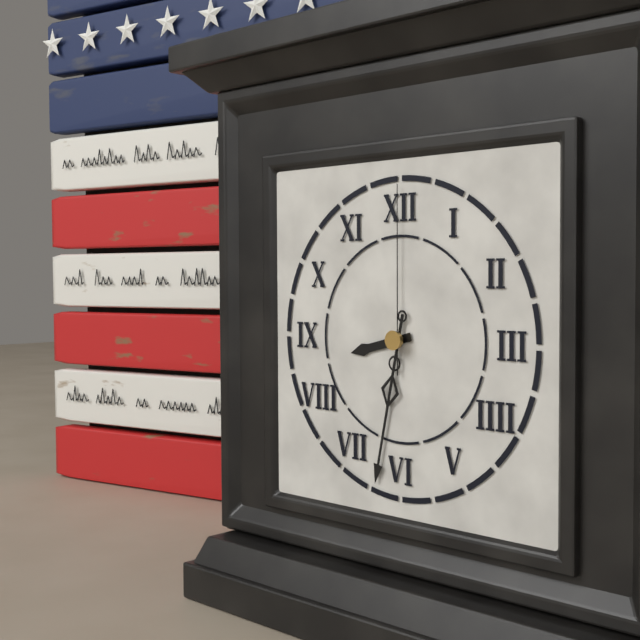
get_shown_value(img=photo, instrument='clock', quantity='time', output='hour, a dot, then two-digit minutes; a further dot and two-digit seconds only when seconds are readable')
8.32.00
